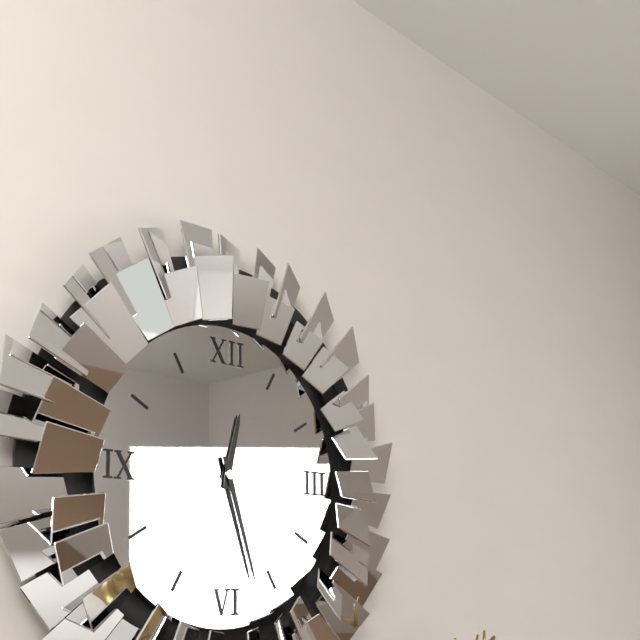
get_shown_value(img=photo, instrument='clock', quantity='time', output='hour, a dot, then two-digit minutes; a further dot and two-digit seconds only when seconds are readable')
12.27
